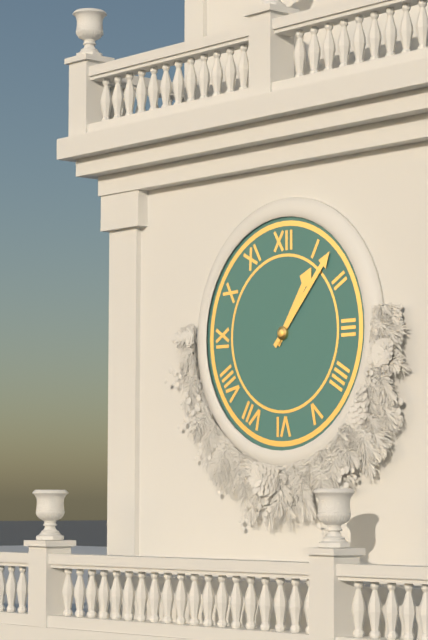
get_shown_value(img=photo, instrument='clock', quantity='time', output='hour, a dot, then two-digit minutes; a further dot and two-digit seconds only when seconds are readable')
1.07
